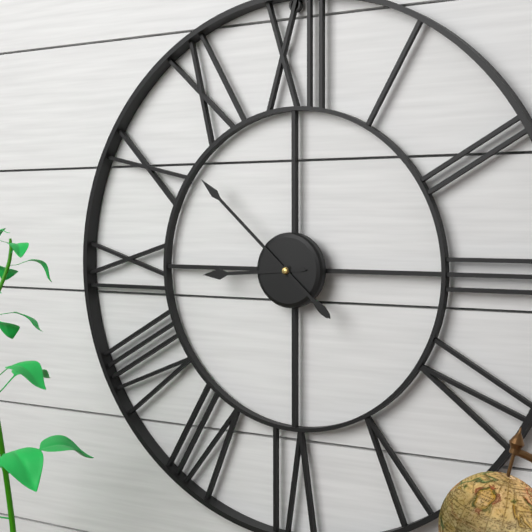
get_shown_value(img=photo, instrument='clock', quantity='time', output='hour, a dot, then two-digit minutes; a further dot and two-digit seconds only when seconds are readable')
8.52
